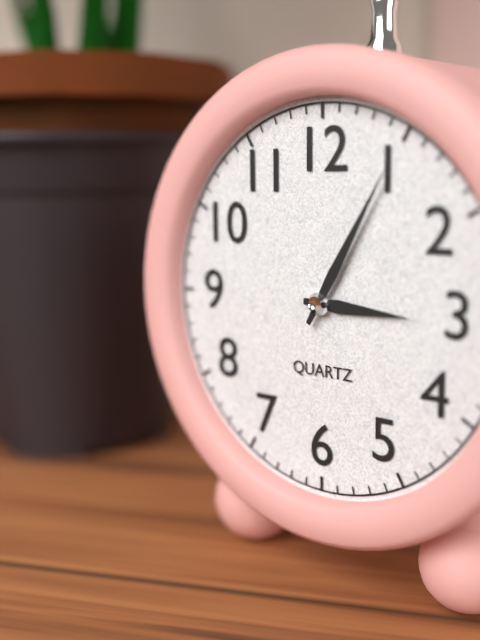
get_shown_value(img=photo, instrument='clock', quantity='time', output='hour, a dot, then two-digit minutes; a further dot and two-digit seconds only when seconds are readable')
3.05
